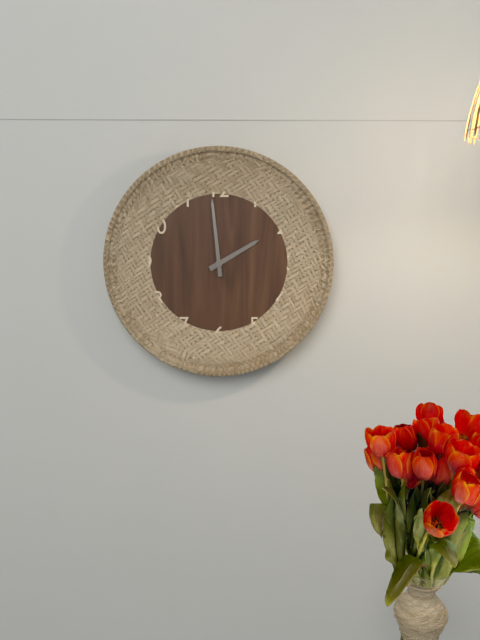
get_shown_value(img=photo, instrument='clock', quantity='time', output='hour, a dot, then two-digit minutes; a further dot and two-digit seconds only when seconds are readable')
1.59
